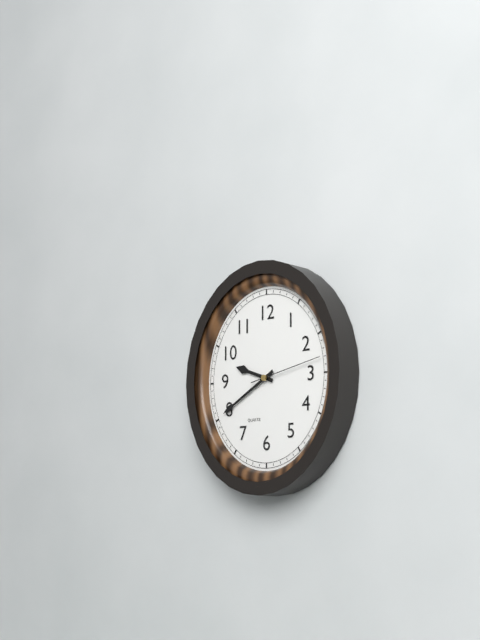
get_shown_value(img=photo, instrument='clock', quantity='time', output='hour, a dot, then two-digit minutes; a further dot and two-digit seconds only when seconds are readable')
9.40.13
